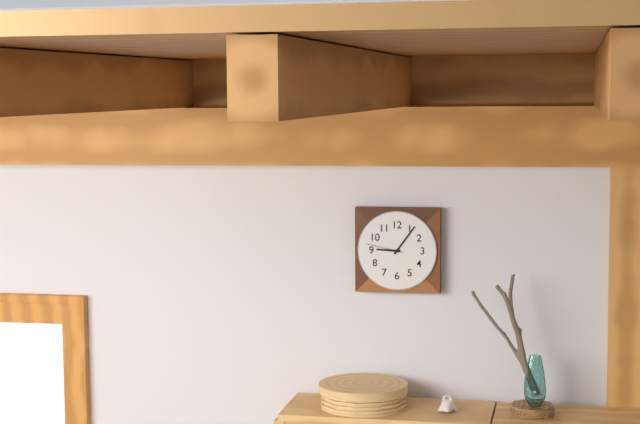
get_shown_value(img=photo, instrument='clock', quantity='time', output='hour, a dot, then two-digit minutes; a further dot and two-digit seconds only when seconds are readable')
9.06
